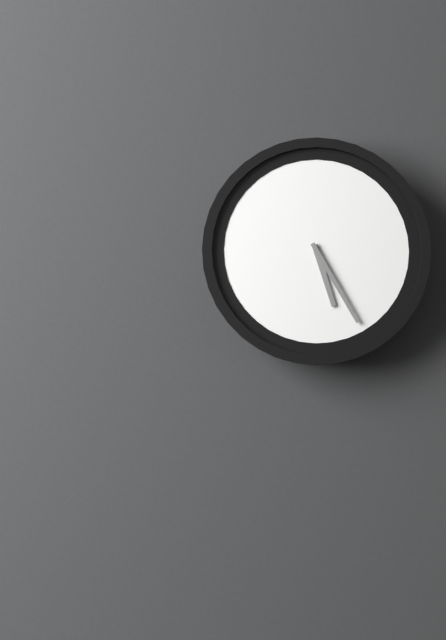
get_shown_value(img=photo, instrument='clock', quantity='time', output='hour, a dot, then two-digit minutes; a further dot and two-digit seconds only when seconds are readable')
5.25
